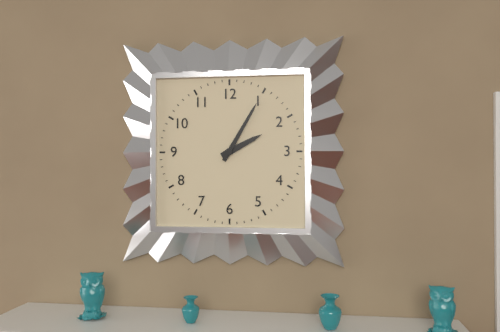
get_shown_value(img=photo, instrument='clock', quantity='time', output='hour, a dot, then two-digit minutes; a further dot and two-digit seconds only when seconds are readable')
2.05
